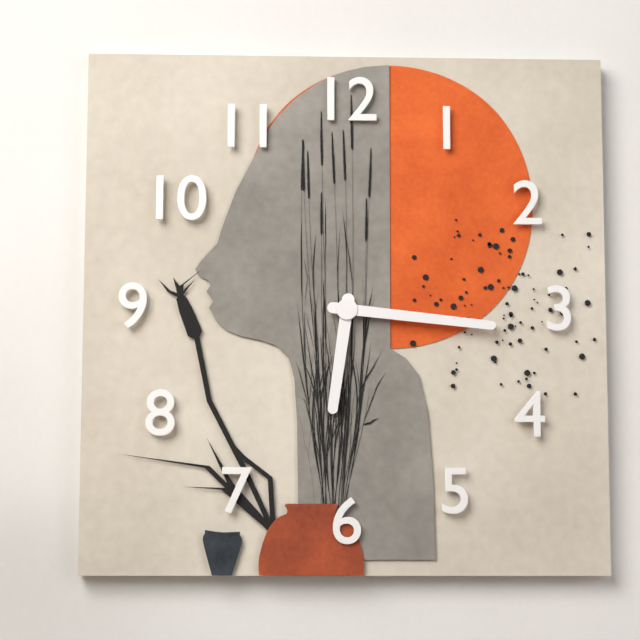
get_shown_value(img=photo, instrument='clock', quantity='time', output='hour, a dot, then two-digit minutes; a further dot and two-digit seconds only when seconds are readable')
6.16
